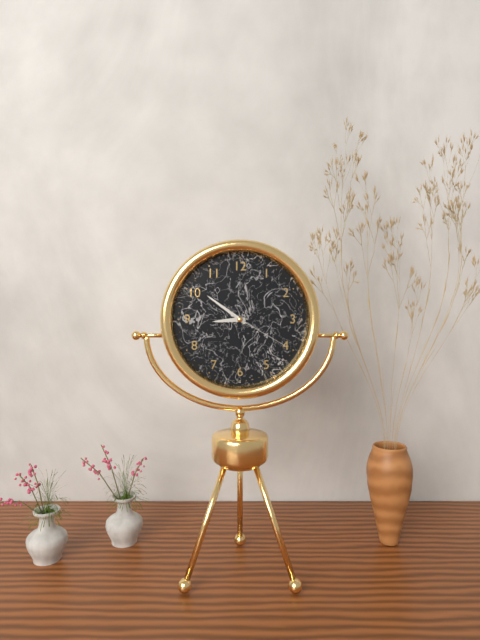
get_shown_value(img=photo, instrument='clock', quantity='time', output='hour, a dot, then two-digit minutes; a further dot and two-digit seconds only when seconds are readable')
8.51.20
